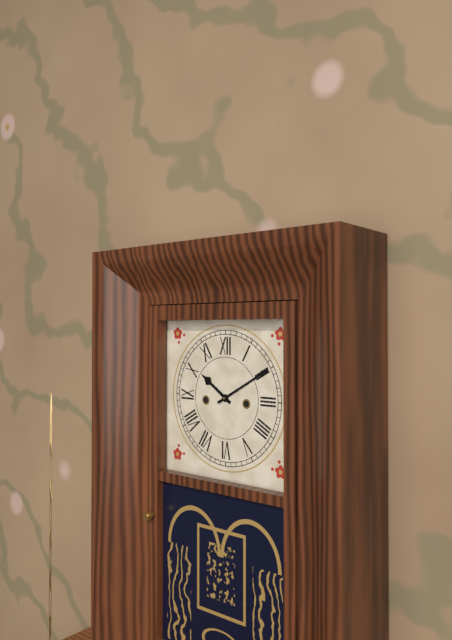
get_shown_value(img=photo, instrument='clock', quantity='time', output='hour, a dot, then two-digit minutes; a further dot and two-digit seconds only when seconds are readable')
10.10
